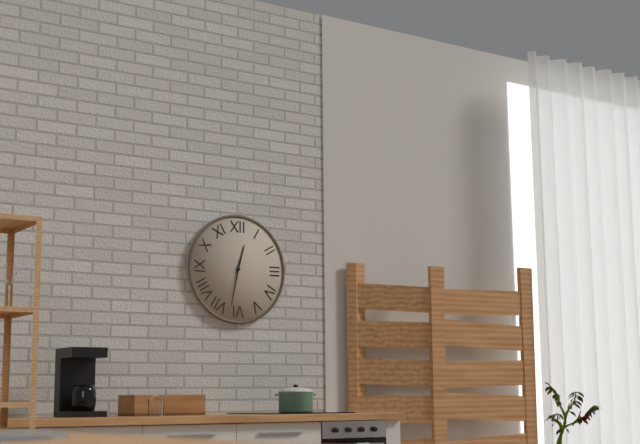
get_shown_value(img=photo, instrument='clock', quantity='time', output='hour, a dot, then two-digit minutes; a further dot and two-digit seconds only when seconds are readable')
12.32
